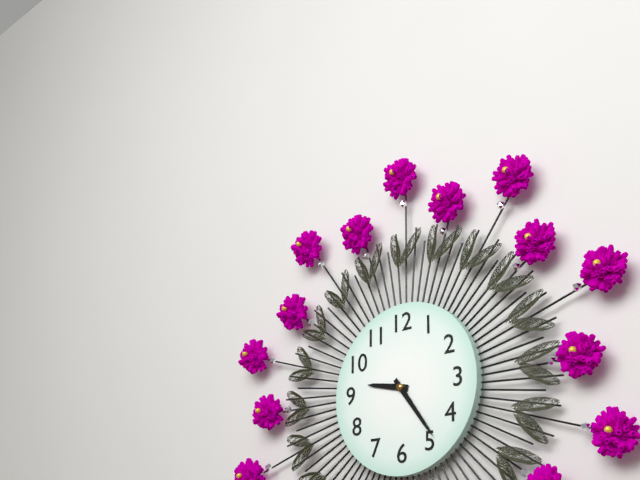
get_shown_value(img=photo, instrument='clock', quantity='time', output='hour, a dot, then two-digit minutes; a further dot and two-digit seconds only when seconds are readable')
9.24
